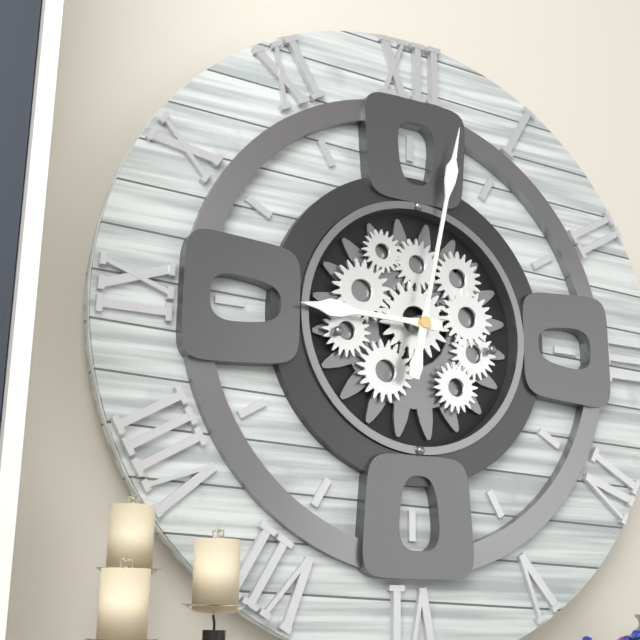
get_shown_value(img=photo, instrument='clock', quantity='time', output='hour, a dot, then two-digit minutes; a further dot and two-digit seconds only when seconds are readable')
9.02
